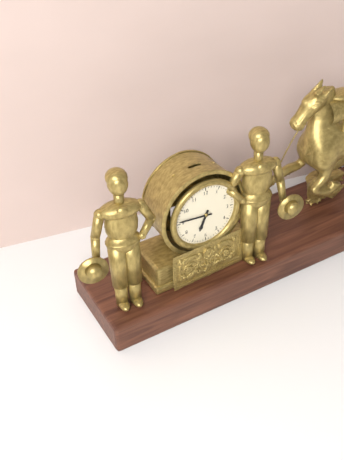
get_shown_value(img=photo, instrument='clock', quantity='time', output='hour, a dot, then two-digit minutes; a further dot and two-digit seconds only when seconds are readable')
6.46
